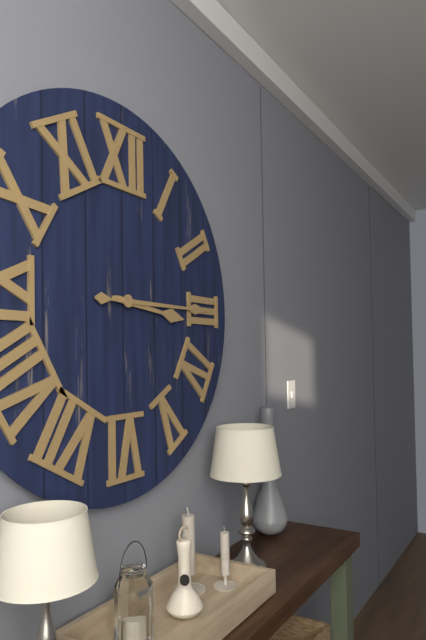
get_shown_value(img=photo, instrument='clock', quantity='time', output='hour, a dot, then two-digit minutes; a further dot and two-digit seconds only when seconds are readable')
3.15
